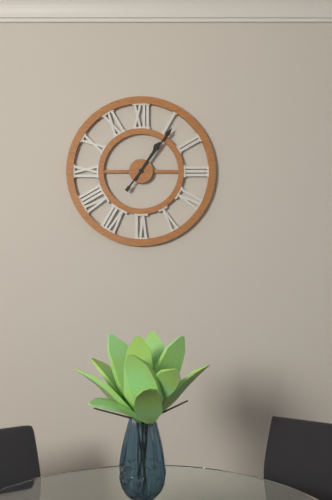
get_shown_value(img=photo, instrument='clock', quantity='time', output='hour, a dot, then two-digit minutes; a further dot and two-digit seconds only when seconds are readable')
1.06
